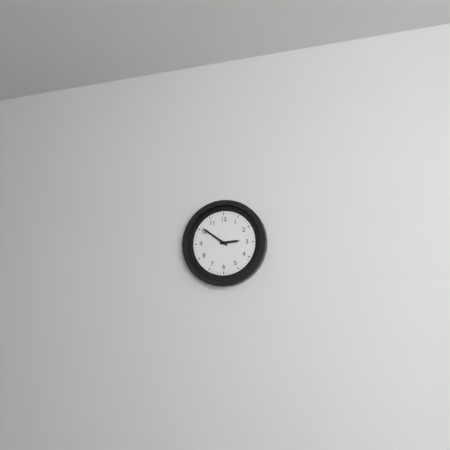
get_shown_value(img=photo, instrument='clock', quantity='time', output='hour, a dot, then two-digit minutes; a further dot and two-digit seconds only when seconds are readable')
2.51
